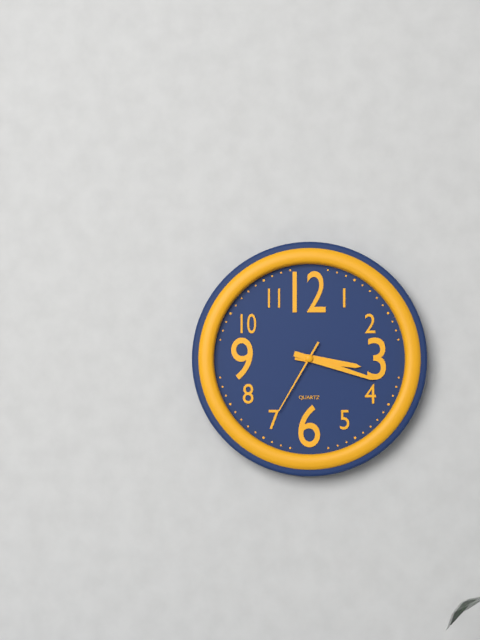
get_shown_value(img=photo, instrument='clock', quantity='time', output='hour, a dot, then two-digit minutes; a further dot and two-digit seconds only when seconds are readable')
3.18.35
